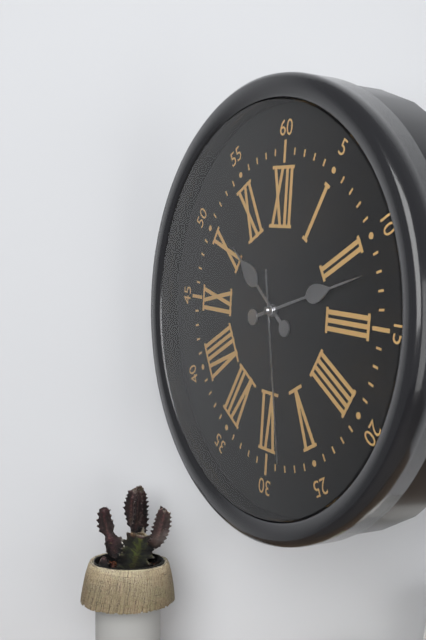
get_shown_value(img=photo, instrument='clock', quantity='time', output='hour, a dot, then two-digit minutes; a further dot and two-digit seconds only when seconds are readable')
10.12.28
